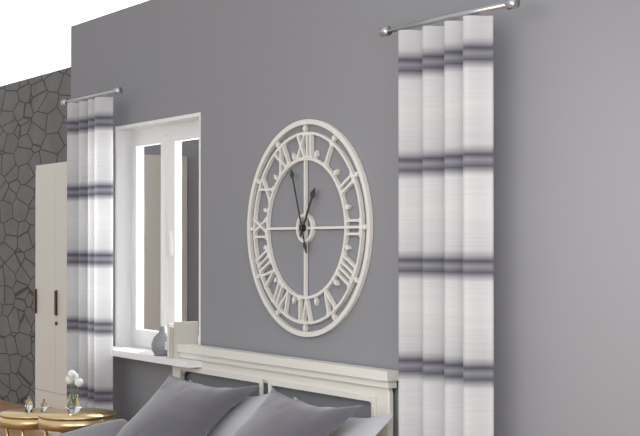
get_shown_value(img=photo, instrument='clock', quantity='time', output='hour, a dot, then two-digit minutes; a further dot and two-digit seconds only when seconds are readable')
12.57
